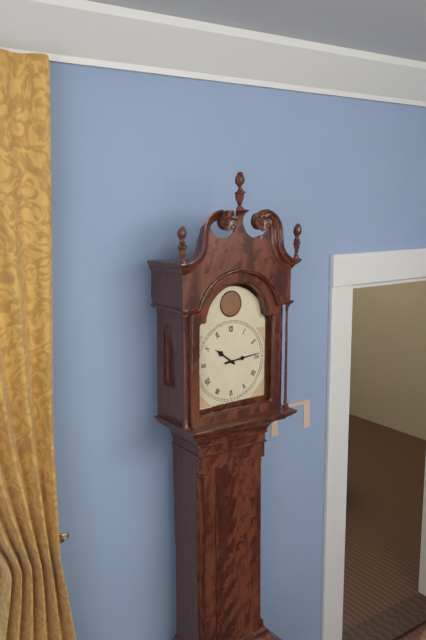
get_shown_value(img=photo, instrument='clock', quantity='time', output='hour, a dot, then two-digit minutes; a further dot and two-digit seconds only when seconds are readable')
10.14
